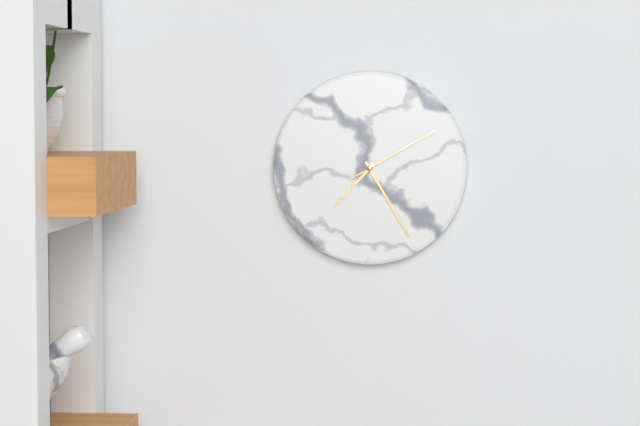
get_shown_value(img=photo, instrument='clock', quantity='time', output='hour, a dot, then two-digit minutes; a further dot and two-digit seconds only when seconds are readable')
7.25.10
